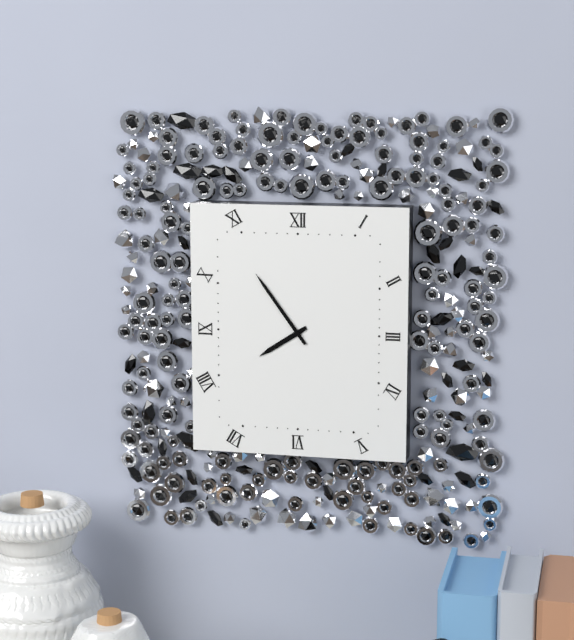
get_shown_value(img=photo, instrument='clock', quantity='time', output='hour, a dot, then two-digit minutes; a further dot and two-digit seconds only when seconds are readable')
7.54
